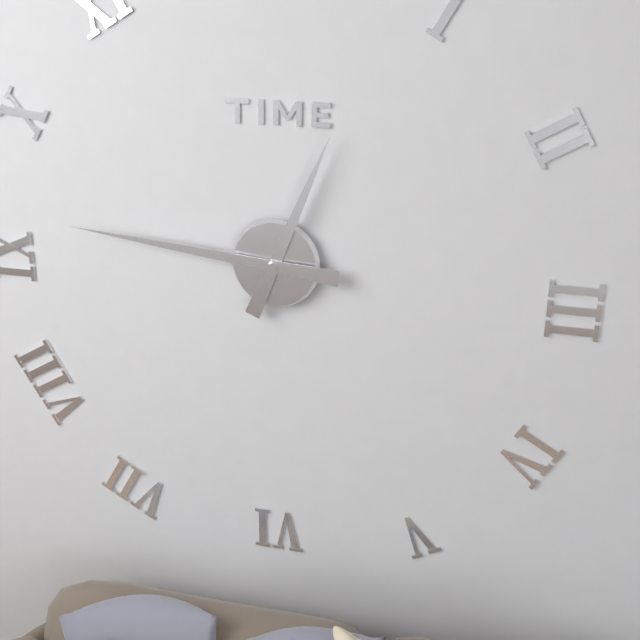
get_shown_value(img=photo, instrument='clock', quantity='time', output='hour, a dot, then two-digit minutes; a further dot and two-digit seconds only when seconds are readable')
12.46
